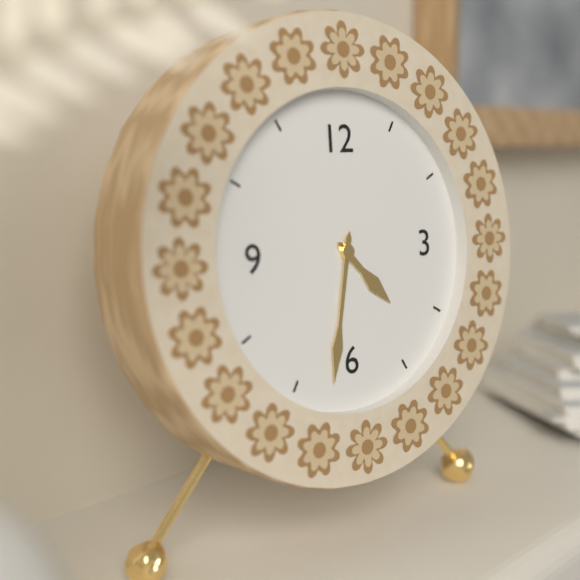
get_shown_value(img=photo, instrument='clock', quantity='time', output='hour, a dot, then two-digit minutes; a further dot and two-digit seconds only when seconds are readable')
4.32
